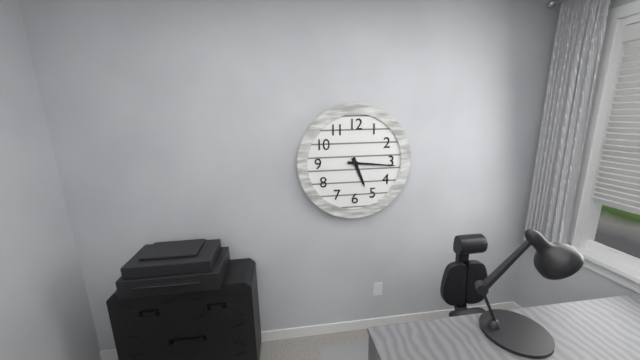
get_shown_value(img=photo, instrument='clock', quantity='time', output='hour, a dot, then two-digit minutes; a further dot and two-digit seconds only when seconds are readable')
5.16
